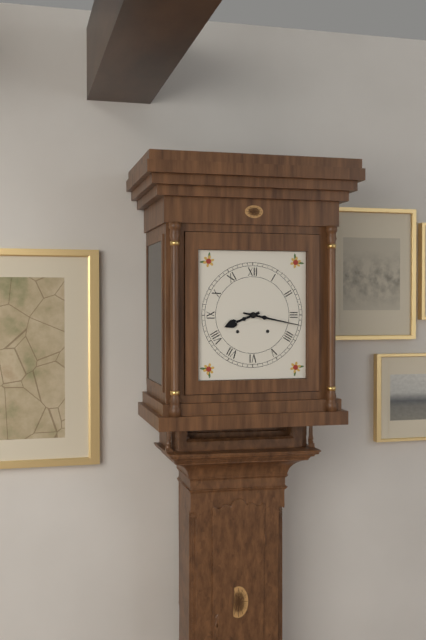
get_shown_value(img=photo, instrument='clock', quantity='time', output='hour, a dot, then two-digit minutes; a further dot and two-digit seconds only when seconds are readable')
8.17
